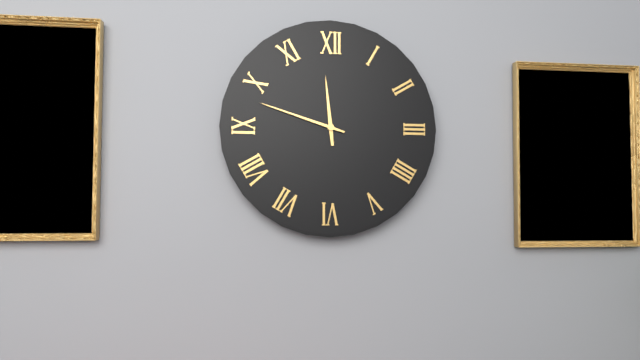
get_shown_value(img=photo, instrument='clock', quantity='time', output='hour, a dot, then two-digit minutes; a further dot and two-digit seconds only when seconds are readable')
11.48
